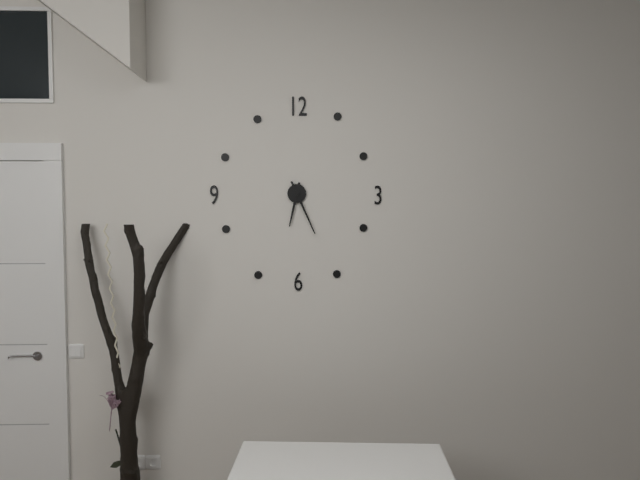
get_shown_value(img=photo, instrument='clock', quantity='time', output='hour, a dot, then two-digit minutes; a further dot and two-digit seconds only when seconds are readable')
6.26
